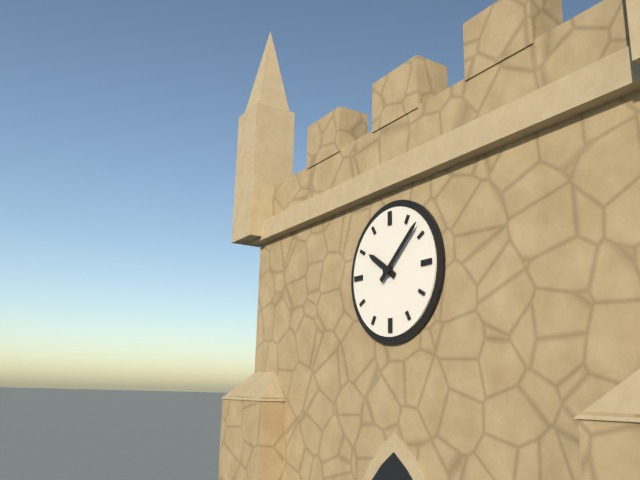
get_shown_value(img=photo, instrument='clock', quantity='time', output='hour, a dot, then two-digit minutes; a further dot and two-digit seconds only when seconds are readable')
10.08
